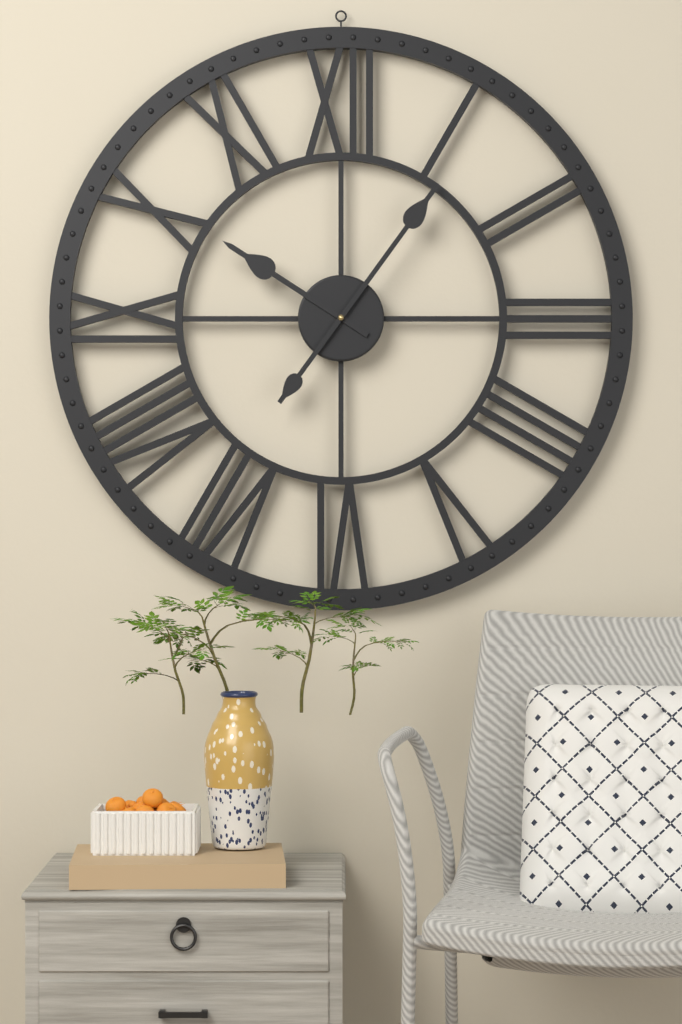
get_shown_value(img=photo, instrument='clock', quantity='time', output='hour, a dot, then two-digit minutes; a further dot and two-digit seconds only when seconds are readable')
10.06
